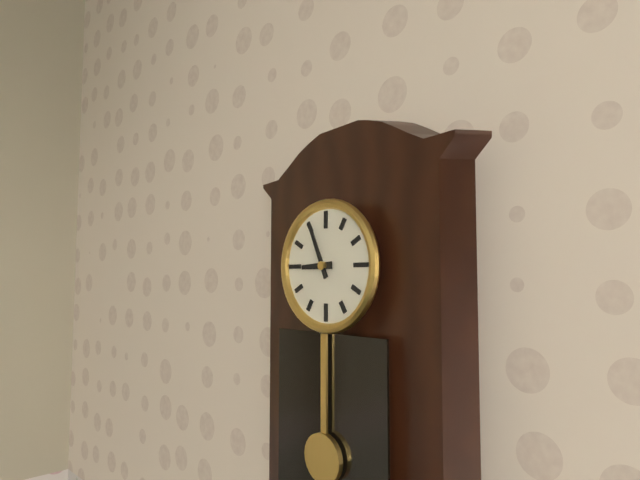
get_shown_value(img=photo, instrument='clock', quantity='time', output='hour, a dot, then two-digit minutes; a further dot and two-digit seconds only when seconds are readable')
8.56
